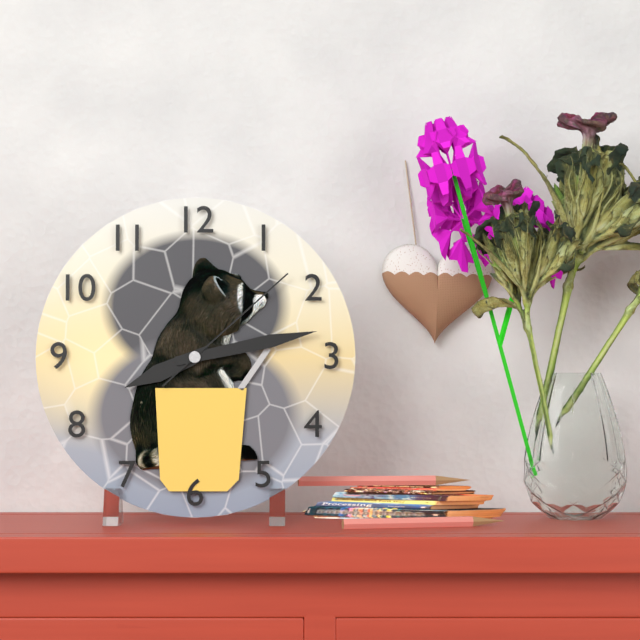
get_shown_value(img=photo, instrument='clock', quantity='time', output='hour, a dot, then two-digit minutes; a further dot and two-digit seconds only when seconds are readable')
8.13.08
